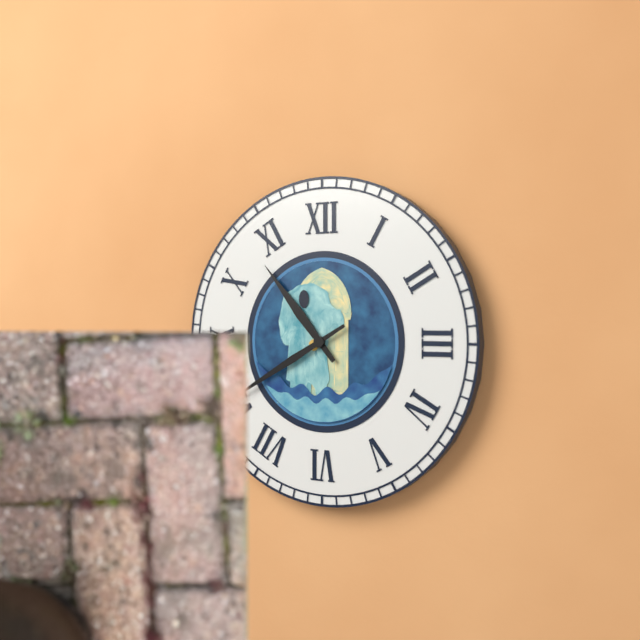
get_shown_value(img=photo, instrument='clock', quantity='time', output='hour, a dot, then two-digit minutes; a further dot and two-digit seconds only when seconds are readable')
10.40
